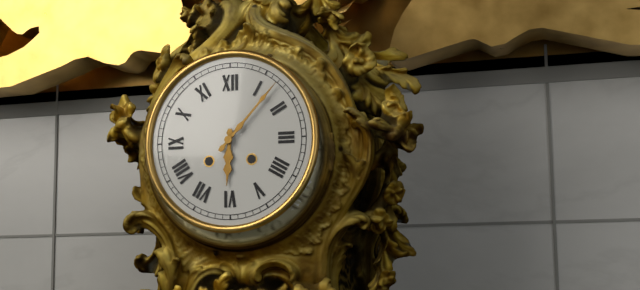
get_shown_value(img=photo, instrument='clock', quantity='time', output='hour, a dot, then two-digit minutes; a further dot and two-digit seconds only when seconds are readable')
6.07
